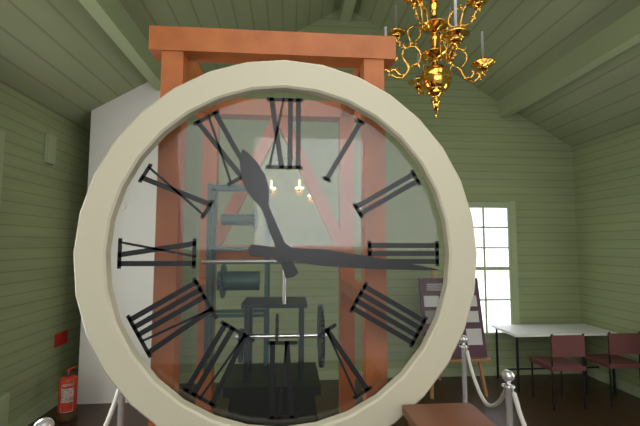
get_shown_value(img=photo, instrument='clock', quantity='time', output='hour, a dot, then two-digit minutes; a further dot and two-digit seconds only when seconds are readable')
11.16
